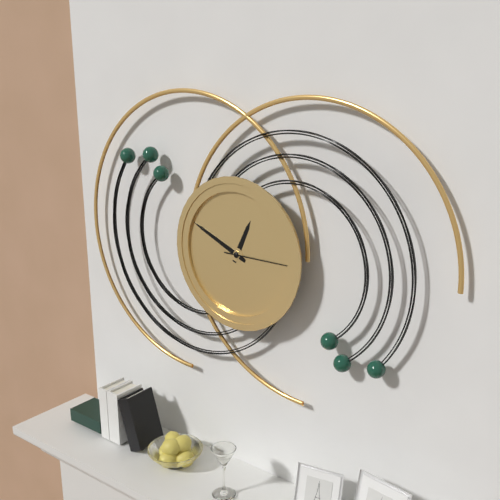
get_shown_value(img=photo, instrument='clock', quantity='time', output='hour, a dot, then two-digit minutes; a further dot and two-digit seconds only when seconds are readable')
12.49.15
